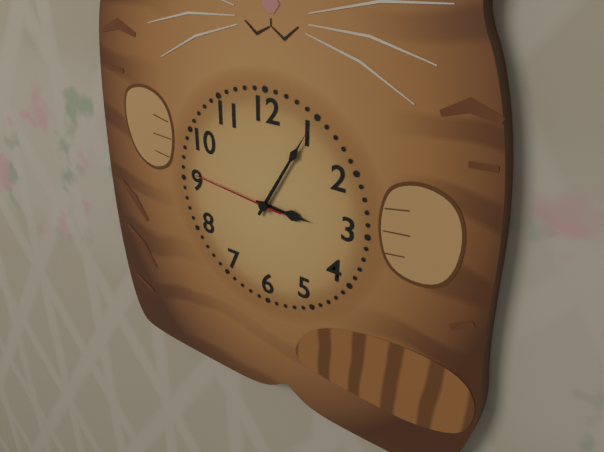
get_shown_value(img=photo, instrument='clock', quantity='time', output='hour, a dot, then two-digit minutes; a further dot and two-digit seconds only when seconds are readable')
3.05.46
